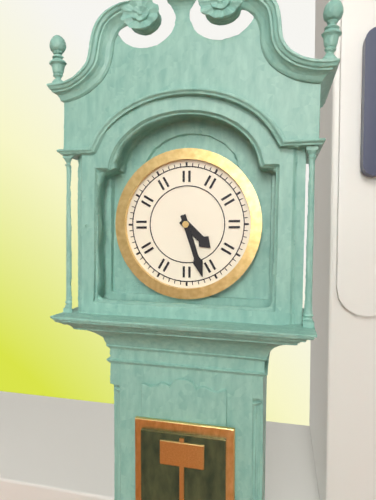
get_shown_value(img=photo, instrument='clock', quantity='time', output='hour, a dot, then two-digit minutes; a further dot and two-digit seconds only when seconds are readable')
4.27
